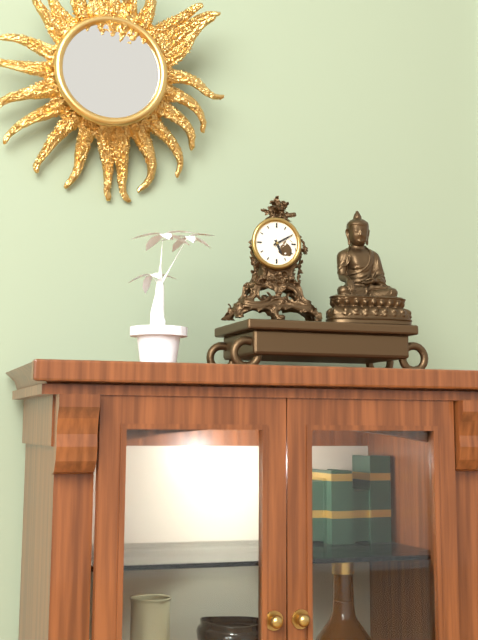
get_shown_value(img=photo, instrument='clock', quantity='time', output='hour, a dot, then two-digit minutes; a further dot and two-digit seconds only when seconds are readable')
5.10
